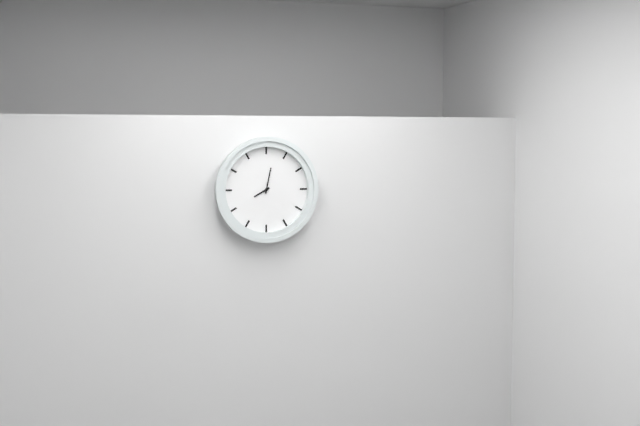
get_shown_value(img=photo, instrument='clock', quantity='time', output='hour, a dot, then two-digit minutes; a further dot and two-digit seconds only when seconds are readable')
8.02
